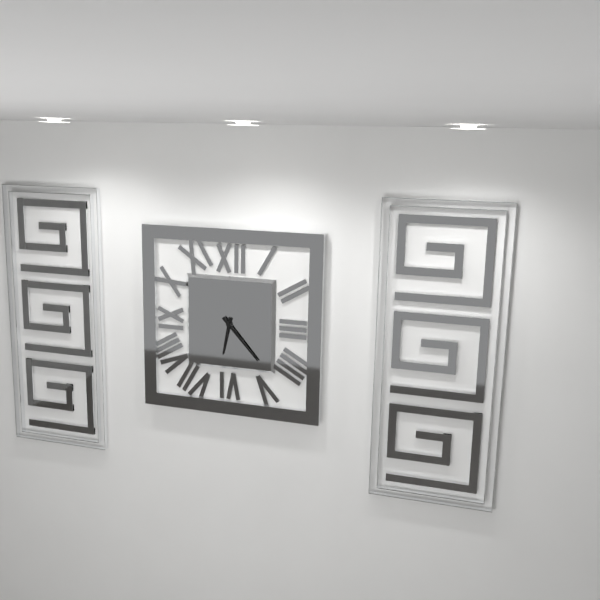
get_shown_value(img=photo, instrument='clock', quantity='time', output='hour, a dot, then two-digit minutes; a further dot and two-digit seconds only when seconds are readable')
6.23
